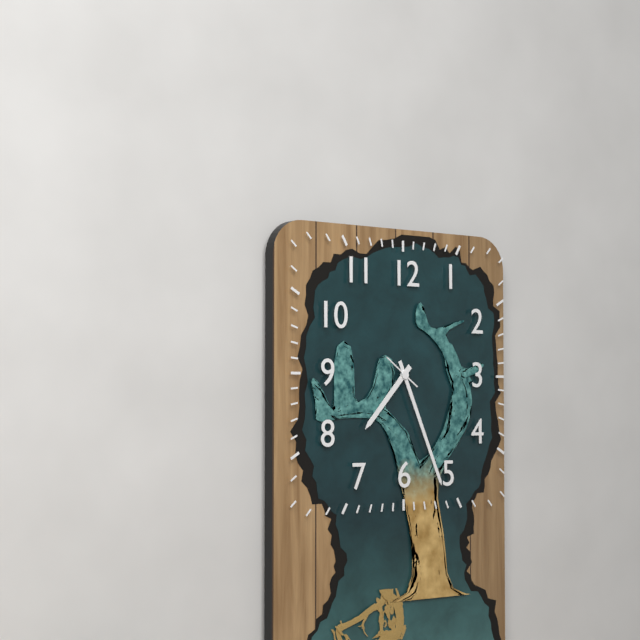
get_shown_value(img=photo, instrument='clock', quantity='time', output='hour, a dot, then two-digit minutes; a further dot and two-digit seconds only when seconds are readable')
7.26
